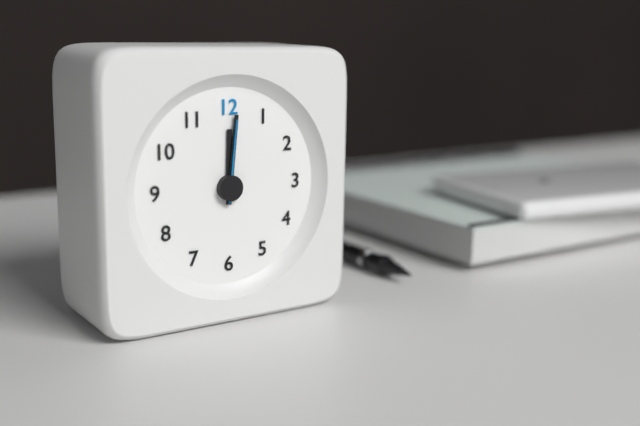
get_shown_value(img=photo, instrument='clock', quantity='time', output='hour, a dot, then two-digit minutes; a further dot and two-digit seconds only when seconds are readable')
12.01.01
